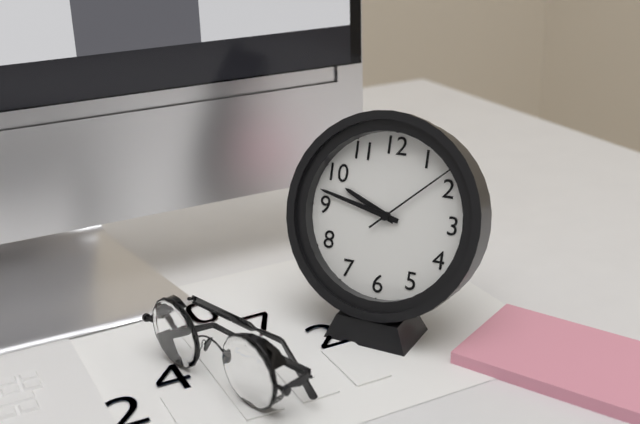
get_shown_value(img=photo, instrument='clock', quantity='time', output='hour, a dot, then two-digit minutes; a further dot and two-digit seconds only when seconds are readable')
9.47.08
